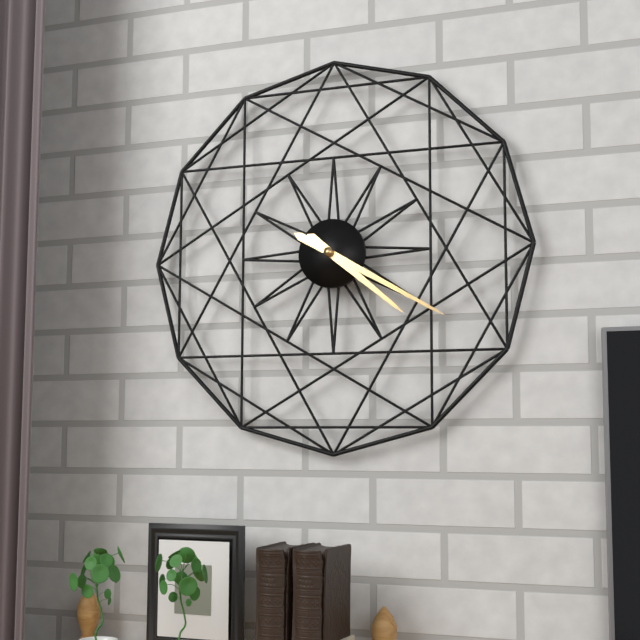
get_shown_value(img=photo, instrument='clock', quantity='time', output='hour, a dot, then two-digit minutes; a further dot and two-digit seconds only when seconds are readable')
4.20
